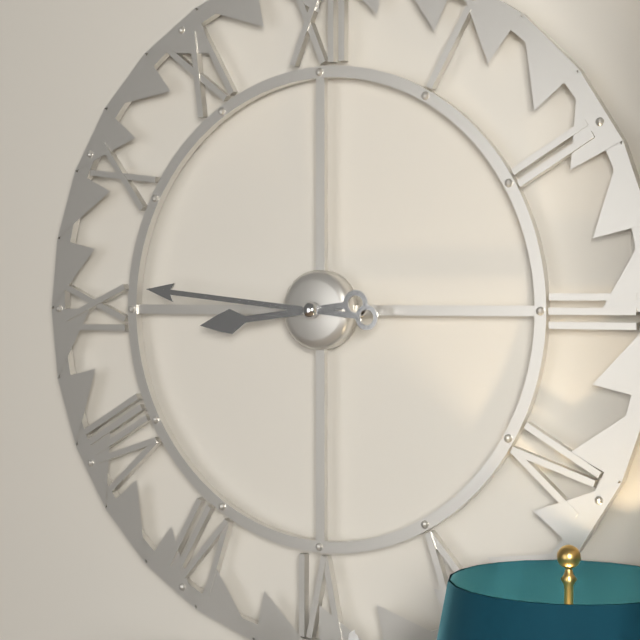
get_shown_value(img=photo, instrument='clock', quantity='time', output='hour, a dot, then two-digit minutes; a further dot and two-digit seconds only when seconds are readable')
8.46
